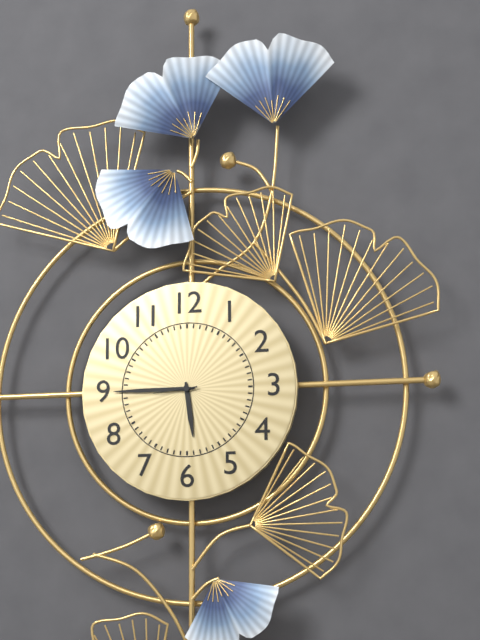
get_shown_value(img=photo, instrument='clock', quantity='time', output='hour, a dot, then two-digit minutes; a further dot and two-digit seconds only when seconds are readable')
5.45
